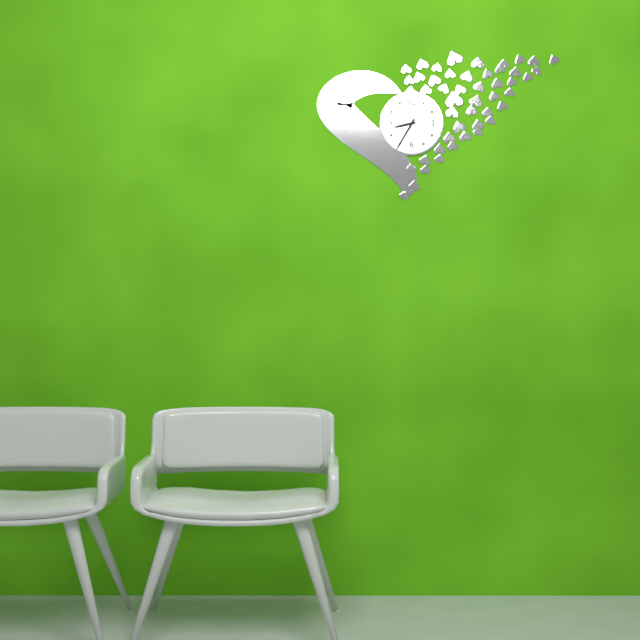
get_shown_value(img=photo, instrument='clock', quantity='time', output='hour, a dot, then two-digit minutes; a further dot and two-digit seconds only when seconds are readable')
8.35
